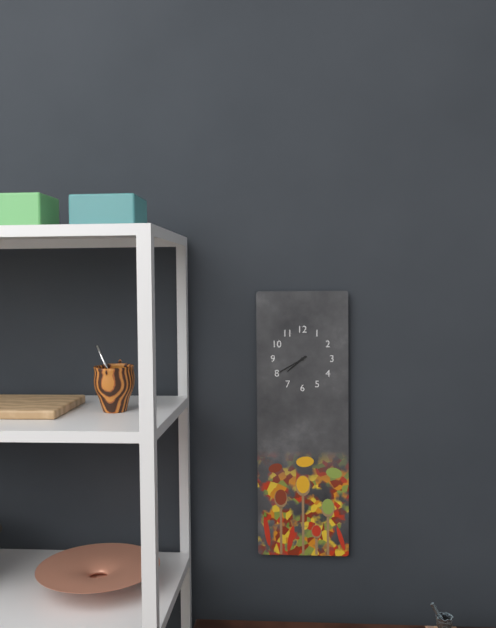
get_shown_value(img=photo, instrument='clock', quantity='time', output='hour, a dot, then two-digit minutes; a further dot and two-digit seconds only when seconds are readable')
7.40
